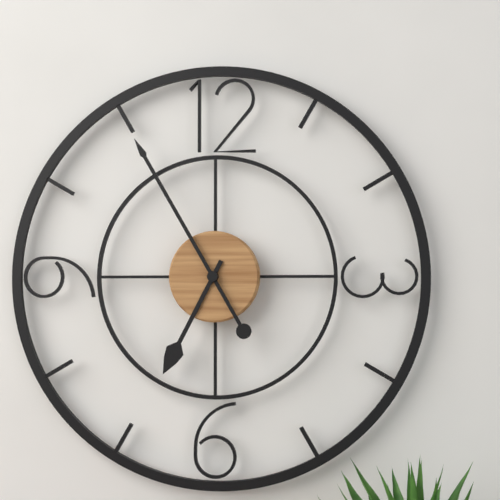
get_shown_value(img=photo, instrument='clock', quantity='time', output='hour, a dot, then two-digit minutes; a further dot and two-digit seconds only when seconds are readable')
6.55
